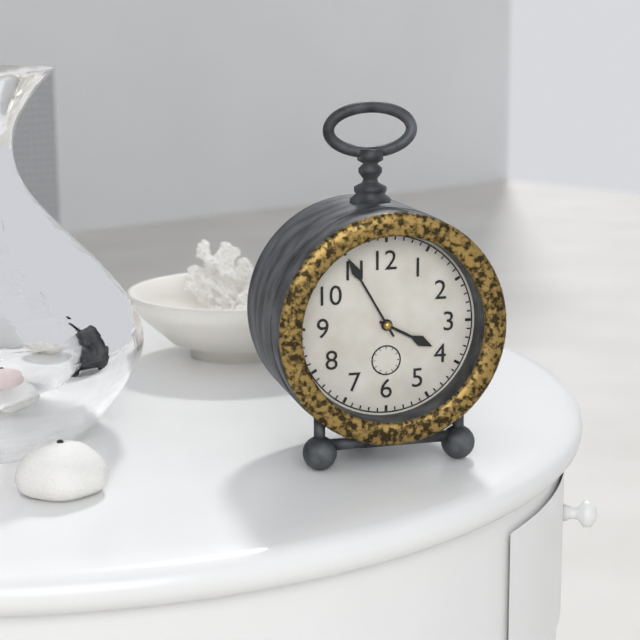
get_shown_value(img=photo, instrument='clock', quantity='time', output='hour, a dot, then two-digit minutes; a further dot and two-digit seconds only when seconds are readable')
3.55
